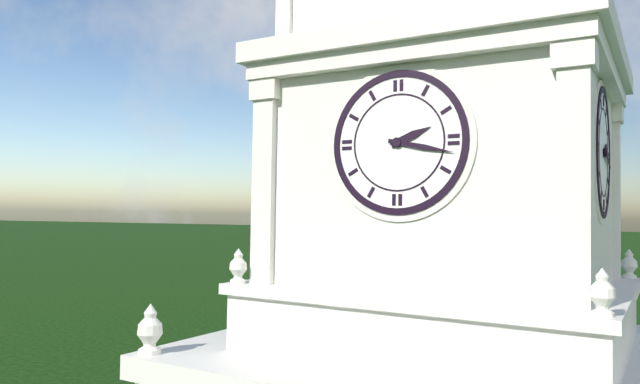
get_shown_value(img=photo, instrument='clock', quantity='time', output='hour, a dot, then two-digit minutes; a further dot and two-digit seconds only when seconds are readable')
2.17
